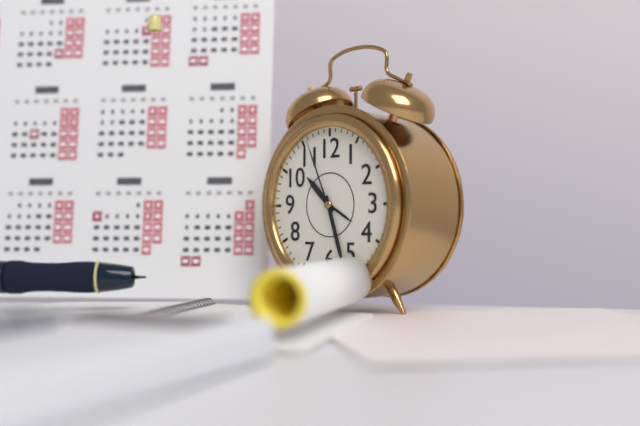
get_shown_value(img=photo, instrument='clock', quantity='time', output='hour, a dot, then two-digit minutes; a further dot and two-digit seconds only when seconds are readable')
10.27.56
